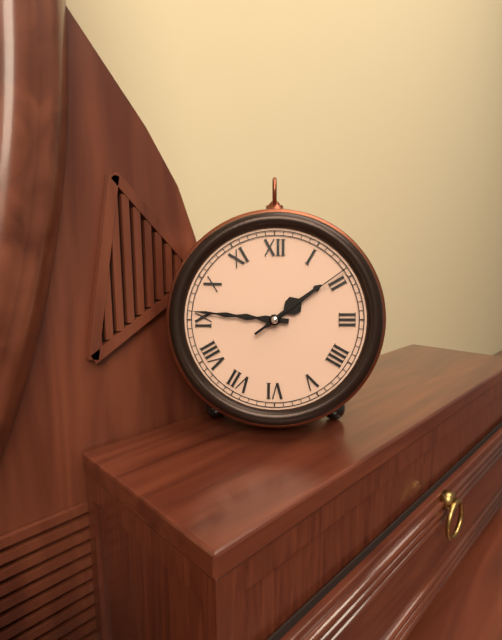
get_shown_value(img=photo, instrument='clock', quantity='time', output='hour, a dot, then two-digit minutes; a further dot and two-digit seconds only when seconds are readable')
1.46.09
